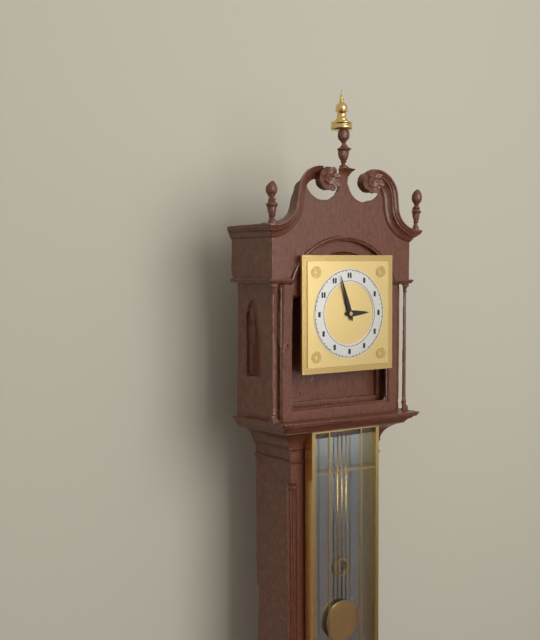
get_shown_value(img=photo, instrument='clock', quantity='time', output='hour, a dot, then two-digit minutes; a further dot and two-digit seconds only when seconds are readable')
2.57
